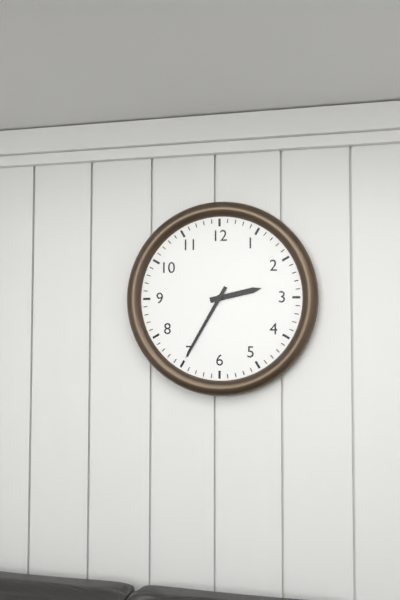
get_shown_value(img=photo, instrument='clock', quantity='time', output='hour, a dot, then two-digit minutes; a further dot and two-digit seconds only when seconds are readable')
2.35
